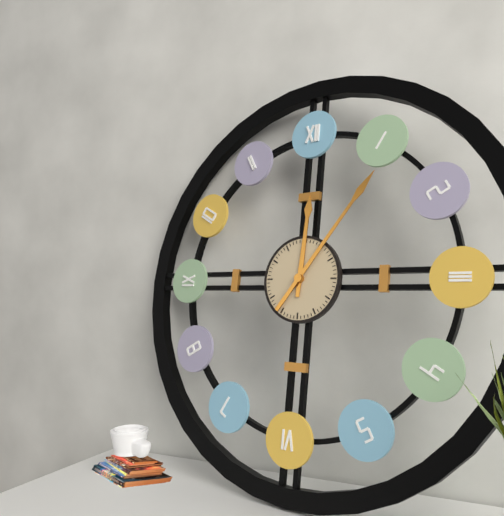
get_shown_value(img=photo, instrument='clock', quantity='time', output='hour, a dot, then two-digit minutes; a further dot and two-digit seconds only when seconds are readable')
12.06
